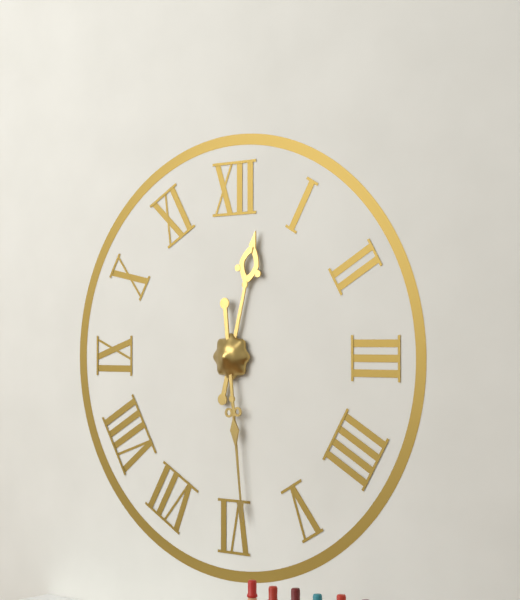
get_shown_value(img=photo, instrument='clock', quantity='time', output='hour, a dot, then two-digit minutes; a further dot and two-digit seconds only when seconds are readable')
12.29
